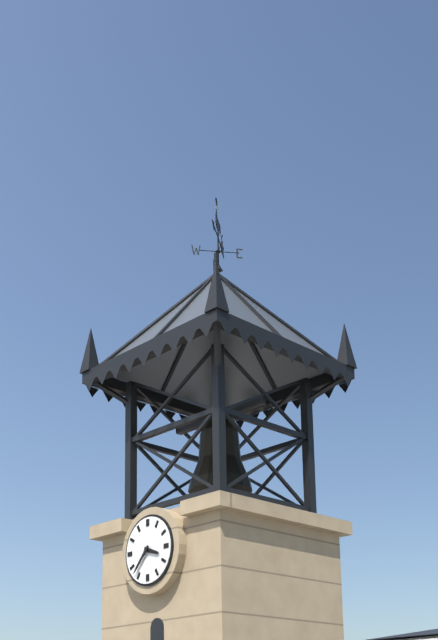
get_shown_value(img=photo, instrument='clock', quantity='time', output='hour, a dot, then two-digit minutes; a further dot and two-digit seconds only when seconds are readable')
3.37
